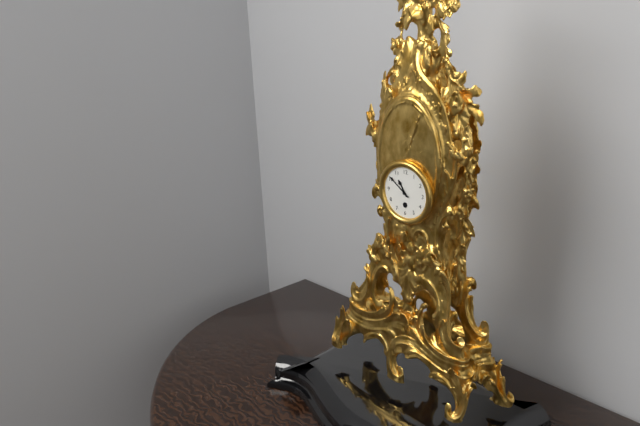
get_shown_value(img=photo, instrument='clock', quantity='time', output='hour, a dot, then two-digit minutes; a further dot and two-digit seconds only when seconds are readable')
10.51
